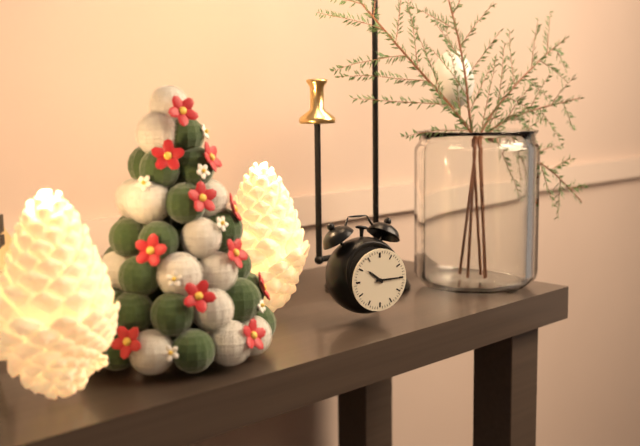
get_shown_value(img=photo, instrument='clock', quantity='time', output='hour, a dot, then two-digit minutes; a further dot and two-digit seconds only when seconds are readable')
10.15
